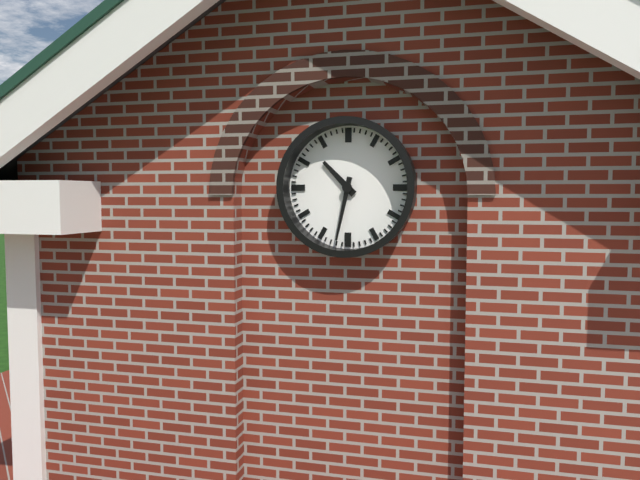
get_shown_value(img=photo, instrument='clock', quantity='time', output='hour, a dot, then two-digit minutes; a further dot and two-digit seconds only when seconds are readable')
10.32
